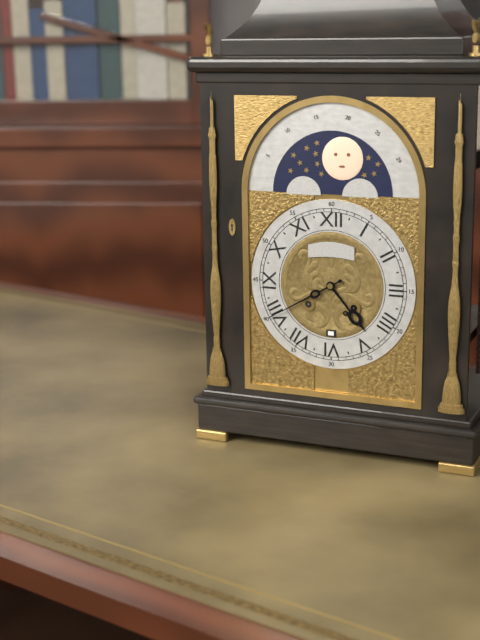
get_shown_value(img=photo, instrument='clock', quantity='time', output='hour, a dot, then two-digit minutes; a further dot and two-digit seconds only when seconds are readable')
4.40
